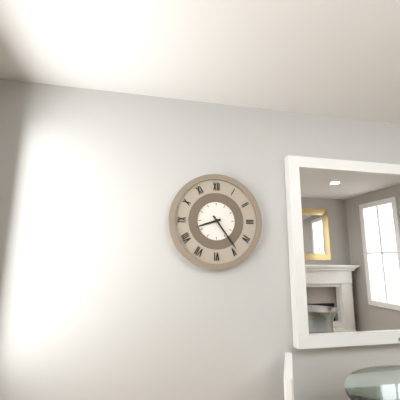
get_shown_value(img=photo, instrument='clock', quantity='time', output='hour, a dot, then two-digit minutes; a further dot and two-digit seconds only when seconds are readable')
8.24
